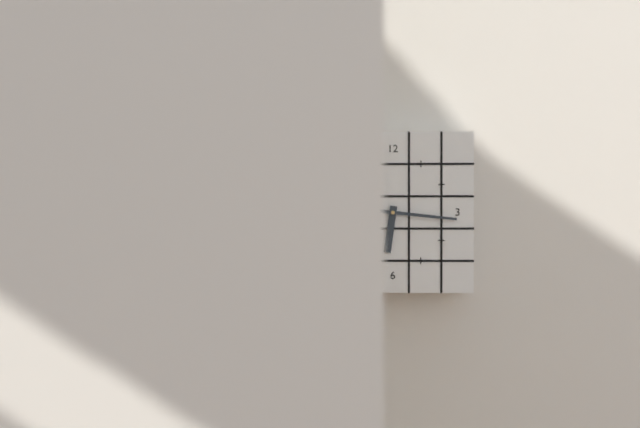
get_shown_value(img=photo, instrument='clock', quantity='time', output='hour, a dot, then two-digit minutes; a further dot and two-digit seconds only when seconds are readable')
6.16
